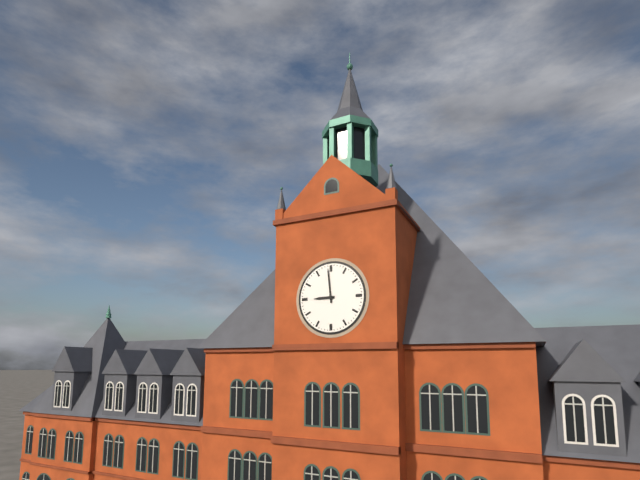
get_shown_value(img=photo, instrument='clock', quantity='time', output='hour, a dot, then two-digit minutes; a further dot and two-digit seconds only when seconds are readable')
8.59
